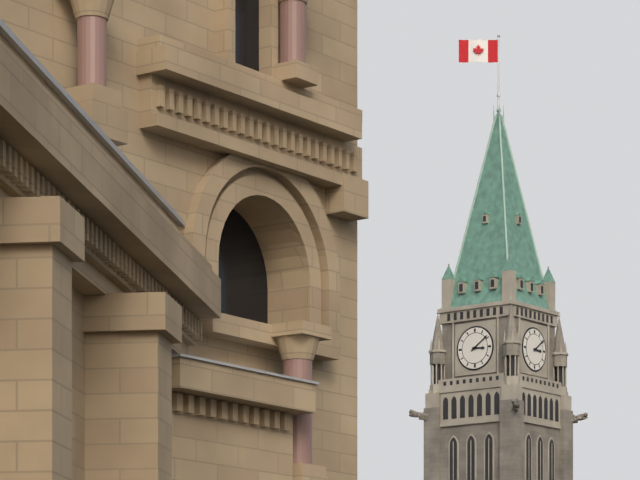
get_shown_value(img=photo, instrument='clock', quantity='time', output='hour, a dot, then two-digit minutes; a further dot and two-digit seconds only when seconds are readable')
3.09
